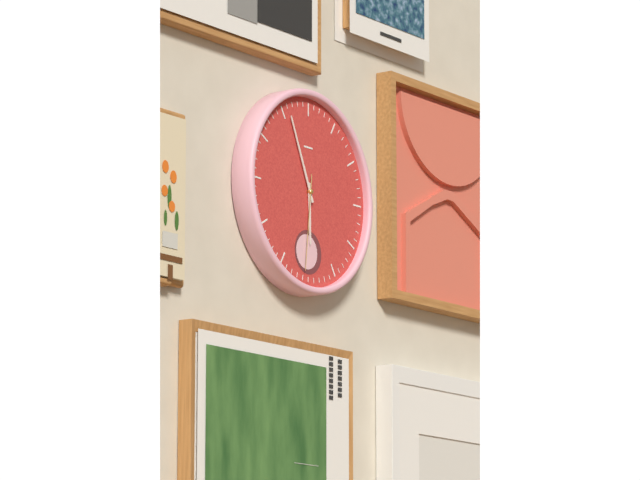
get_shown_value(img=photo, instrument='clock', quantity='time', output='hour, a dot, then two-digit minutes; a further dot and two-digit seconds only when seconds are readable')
5.56.31
